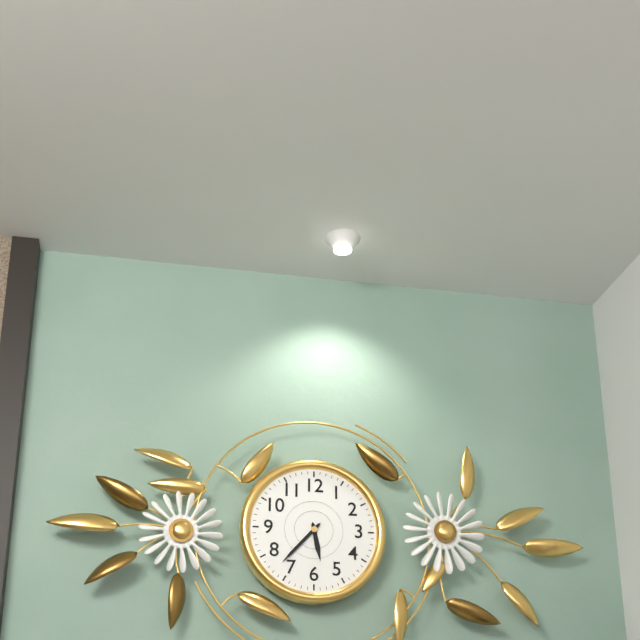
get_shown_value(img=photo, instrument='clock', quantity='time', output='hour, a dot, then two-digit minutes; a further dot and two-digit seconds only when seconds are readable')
5.37
